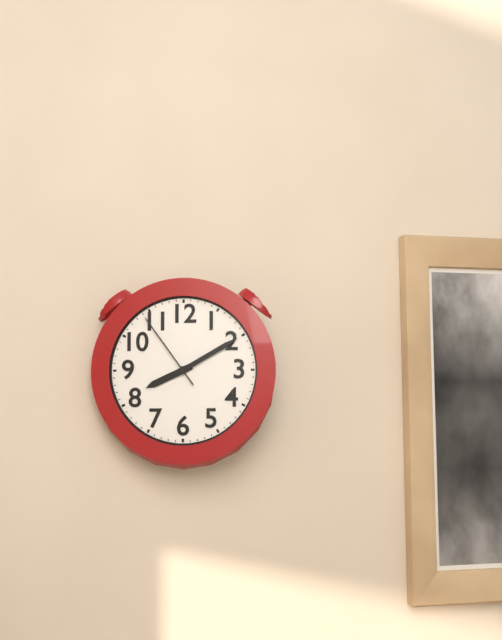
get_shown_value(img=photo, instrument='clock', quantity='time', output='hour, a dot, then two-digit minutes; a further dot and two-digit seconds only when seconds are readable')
8.10.54
